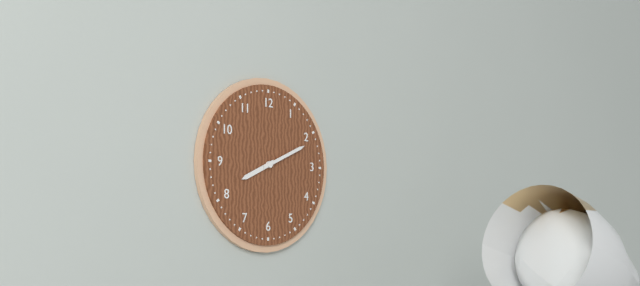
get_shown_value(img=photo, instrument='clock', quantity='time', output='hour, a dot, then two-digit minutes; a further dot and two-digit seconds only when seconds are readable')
8.11
